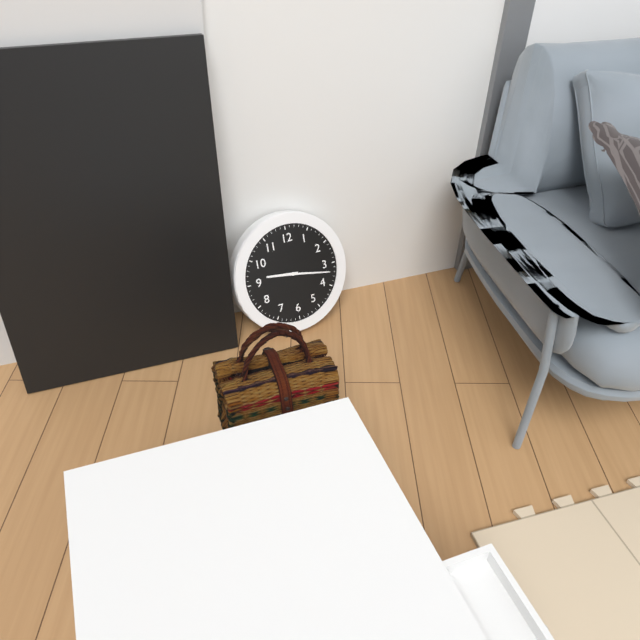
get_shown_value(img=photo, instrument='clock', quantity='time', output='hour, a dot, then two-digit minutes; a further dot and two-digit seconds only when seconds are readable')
9.17
